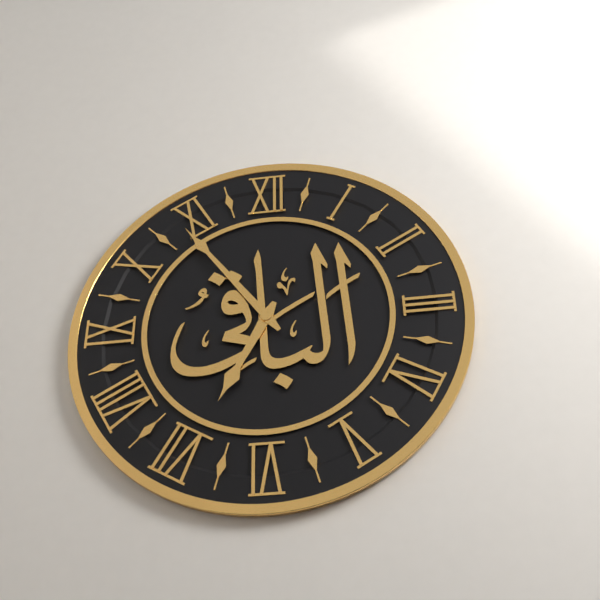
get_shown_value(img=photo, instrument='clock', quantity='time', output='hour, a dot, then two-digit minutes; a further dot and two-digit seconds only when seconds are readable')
6.54
